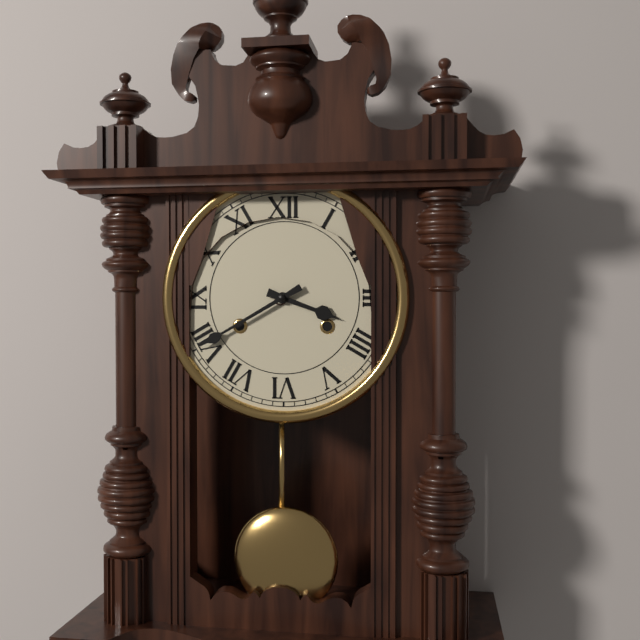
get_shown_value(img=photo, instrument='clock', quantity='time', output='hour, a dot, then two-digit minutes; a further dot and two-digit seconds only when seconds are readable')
3.40
